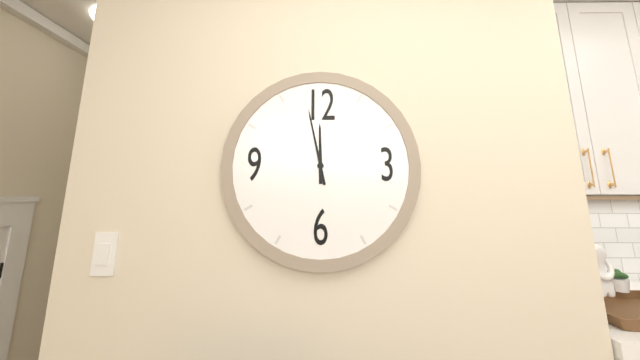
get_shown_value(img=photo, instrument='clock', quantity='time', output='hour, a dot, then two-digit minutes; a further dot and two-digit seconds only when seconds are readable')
11.58
